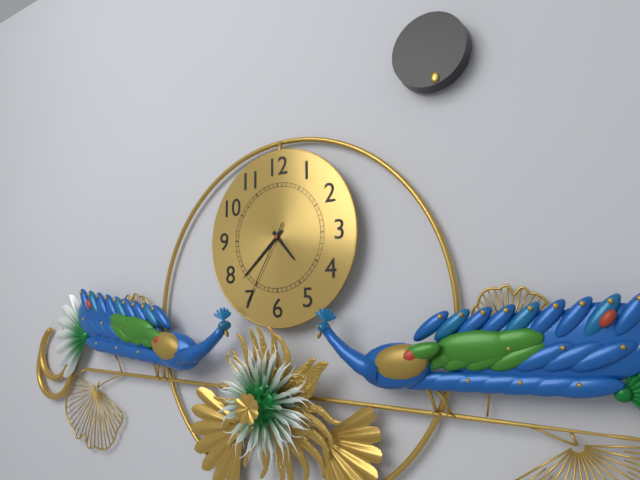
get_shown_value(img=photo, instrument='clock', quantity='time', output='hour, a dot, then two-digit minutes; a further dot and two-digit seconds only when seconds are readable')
4.38.35
